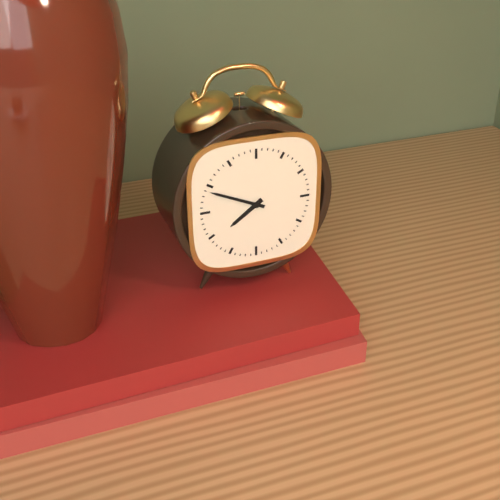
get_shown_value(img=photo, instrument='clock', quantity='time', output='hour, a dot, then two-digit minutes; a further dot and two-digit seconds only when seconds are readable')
7.49
